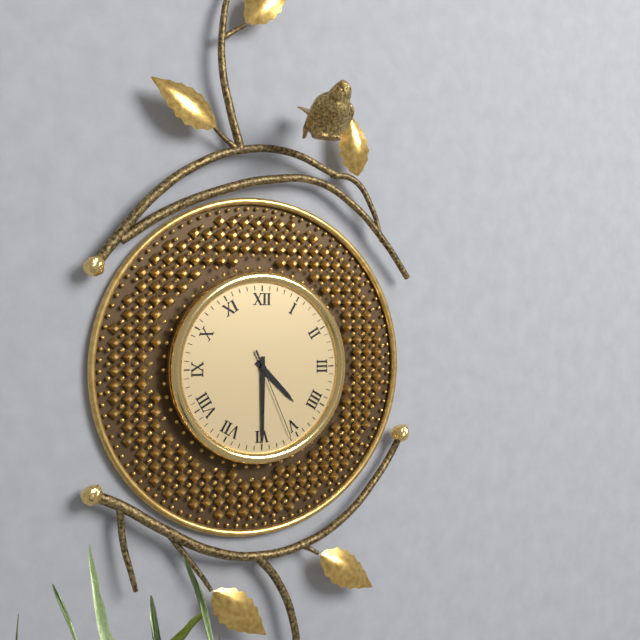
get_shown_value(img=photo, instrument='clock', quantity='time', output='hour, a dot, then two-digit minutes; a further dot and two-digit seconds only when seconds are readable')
4.30.26
